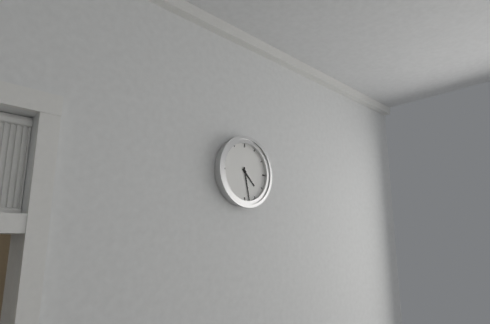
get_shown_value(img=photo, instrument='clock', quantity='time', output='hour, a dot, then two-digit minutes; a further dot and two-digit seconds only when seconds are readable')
4.28
